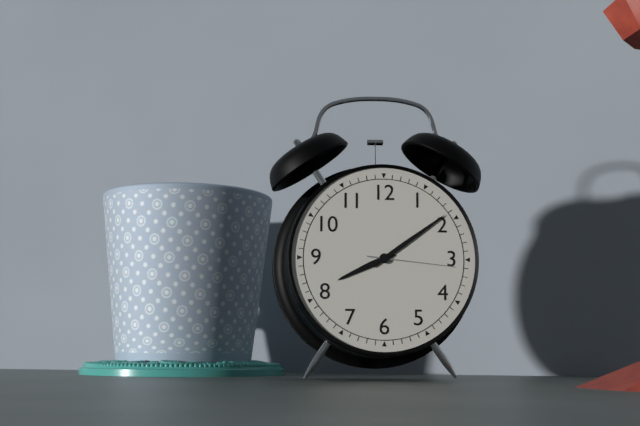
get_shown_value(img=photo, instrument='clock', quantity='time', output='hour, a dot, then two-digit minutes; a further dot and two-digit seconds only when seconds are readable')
8.09.16
